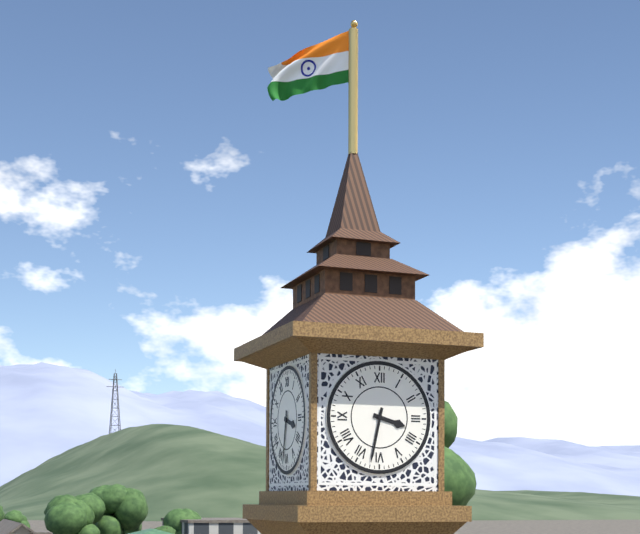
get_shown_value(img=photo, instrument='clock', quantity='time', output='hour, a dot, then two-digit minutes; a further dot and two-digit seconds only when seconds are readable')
3.32
